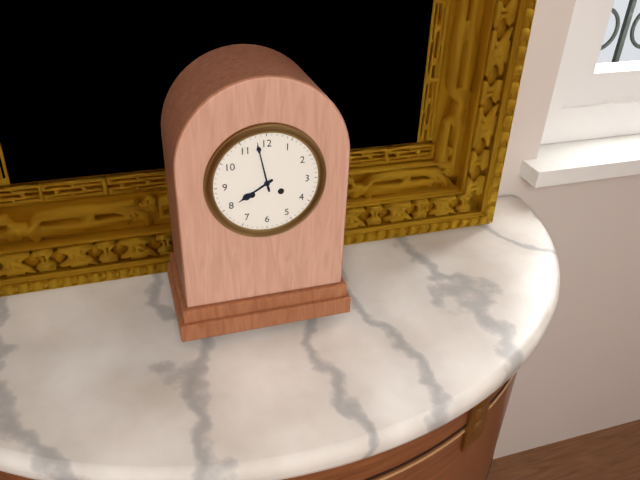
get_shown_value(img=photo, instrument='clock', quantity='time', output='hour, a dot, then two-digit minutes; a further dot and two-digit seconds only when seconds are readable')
7.58
